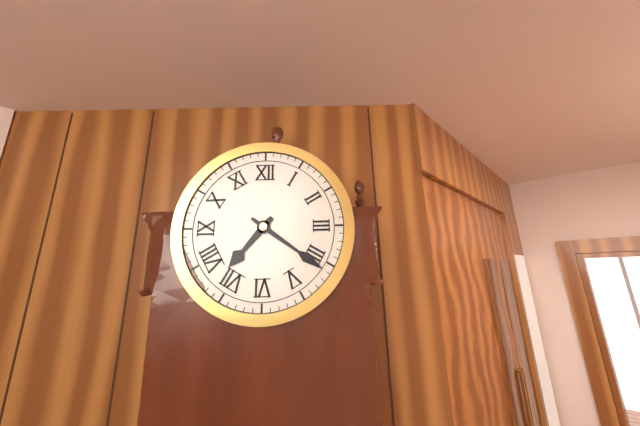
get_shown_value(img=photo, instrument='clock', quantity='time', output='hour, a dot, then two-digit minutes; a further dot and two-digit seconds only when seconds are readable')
7.21
